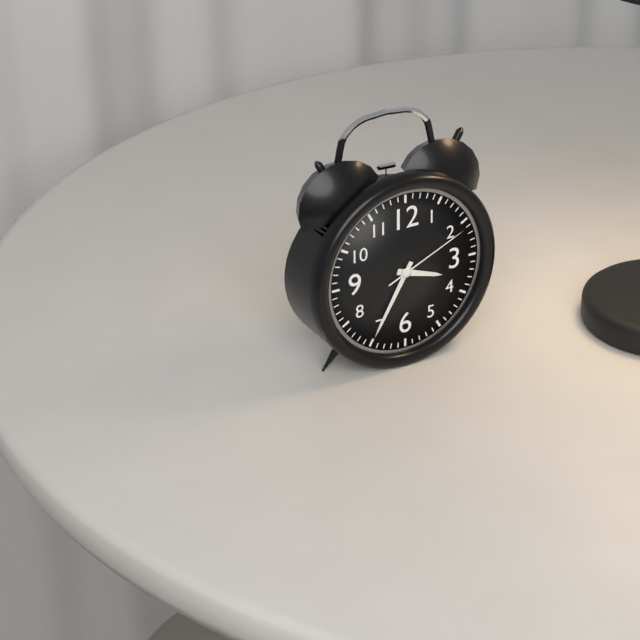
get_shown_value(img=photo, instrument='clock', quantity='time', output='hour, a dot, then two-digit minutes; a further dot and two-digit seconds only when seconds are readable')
3.35.11
